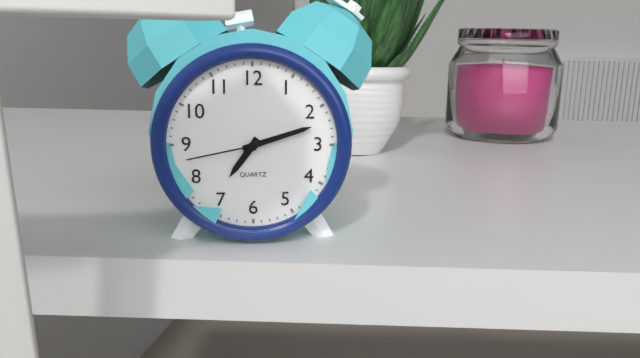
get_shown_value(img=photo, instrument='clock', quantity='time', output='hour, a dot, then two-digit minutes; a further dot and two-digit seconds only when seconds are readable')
7.12.43
